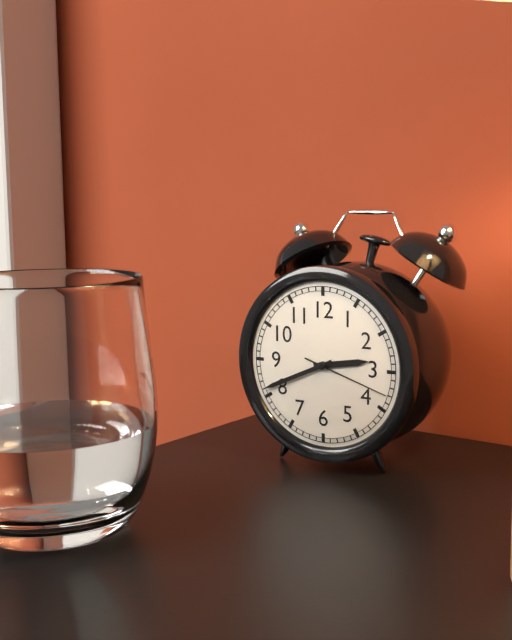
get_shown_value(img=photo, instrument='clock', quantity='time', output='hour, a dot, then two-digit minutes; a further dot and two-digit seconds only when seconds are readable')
2.41.18
